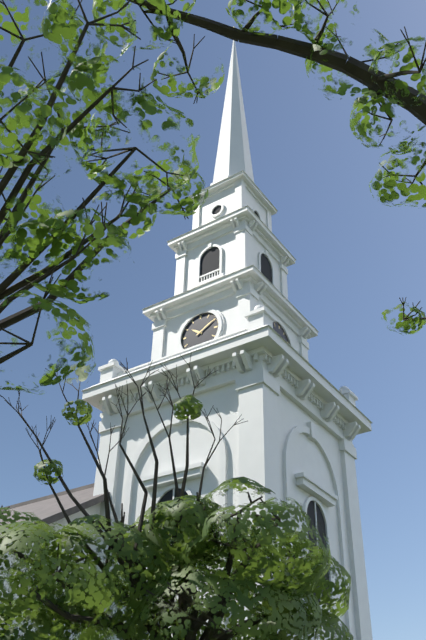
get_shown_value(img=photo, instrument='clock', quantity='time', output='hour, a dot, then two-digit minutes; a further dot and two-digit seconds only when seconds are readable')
10.10
